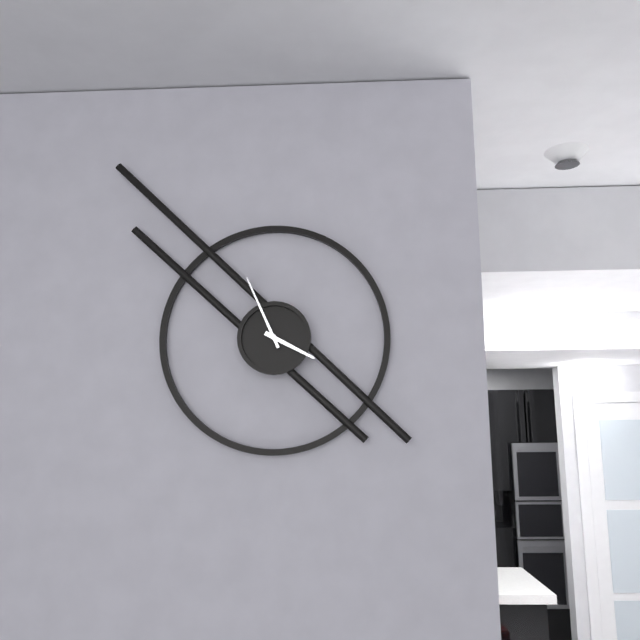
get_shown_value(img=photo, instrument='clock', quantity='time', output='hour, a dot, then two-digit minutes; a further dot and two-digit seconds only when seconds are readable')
3.56
